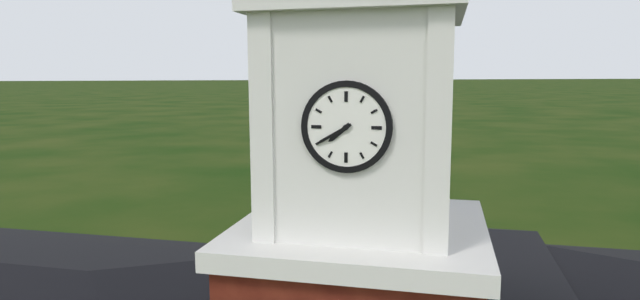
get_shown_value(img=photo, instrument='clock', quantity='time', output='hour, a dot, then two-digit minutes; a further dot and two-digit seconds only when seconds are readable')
7.40
